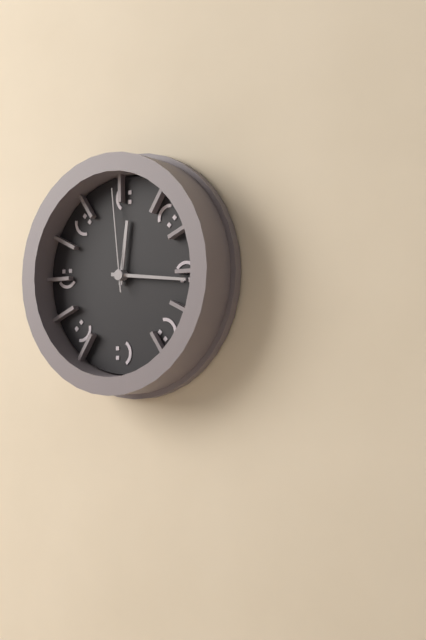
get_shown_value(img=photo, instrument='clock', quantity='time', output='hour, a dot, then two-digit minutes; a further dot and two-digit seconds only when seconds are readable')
12.16.59
